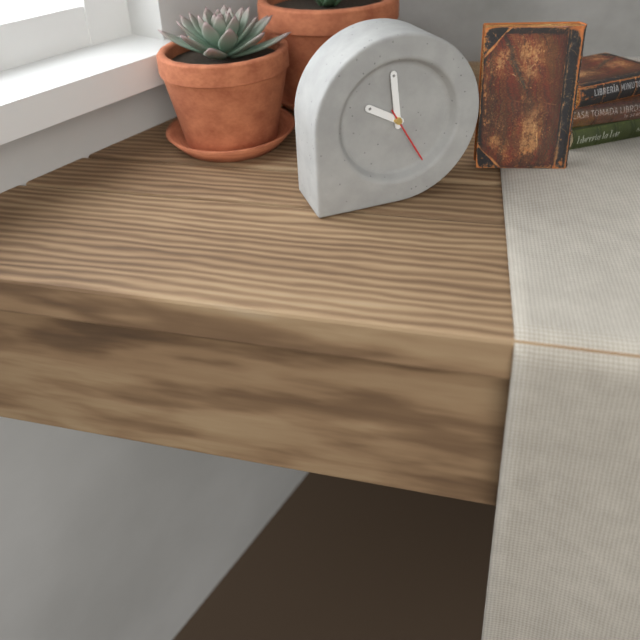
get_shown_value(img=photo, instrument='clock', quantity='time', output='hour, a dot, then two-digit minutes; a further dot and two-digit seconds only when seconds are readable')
9.59.25
